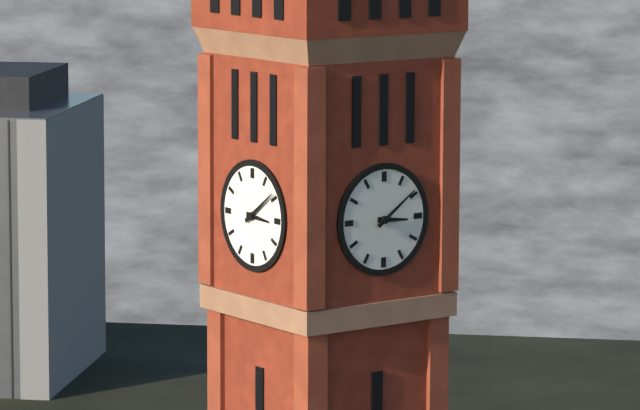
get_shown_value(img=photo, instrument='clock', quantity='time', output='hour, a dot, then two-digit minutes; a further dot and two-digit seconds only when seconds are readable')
3.09
